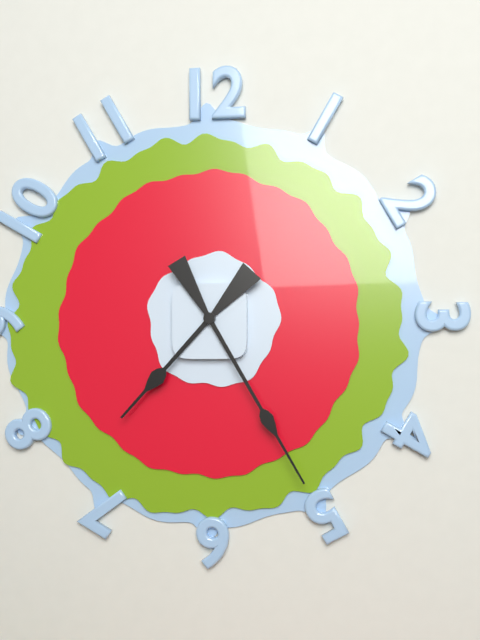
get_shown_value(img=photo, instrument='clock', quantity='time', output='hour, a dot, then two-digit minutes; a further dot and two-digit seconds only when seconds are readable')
7.25
